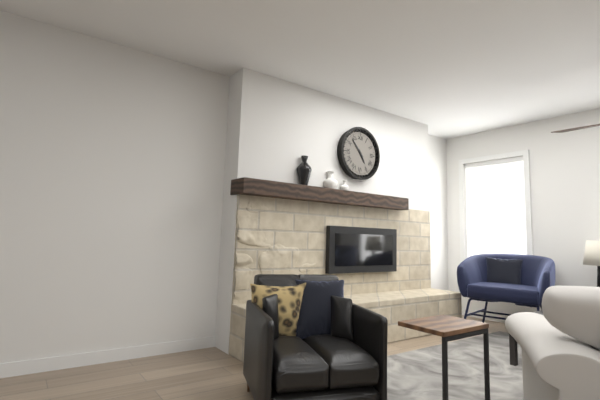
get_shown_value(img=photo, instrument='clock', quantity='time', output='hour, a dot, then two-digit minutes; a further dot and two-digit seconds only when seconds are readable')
4.53
